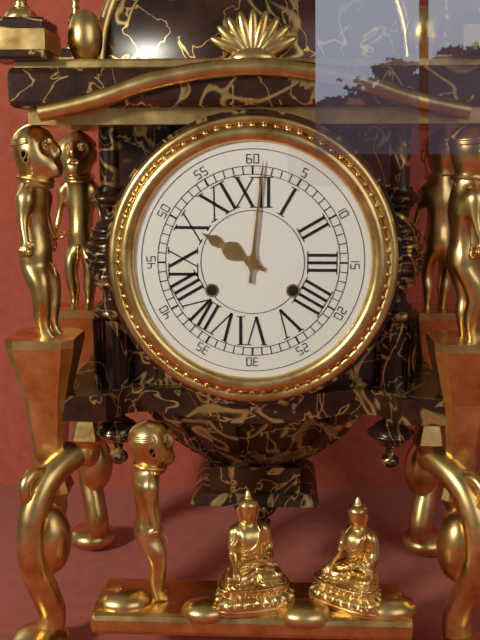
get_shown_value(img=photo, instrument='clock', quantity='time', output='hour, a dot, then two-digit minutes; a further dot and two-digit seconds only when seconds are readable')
10.01
